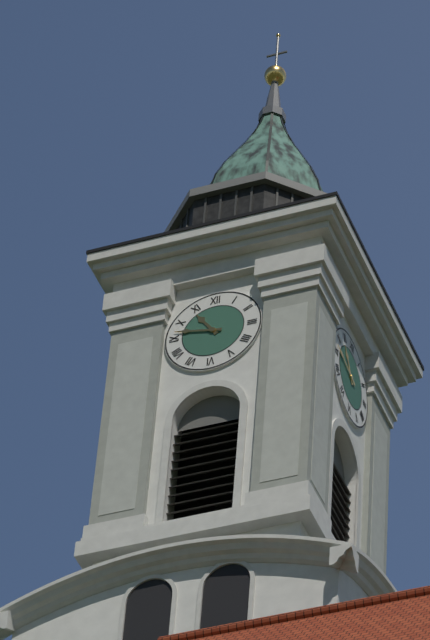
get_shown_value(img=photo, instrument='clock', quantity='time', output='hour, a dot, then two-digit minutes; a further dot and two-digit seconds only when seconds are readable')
10.47
